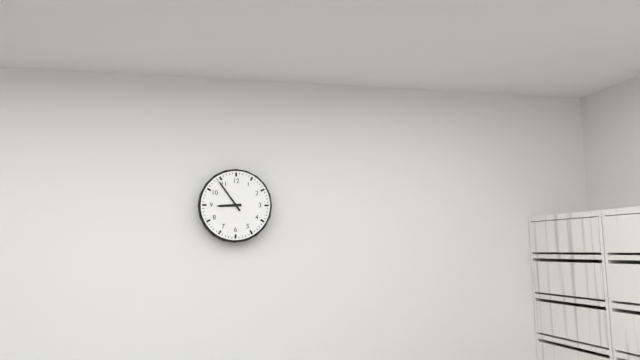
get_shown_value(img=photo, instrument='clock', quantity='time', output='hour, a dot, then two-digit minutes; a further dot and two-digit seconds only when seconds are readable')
8.54
